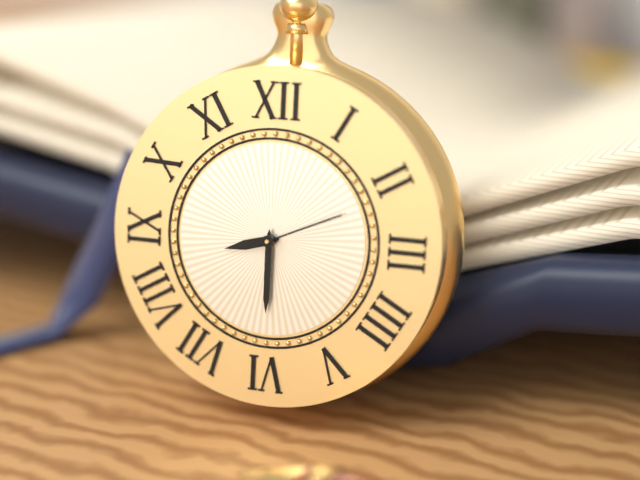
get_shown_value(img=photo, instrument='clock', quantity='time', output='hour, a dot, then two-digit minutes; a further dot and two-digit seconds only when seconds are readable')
8.30.11
